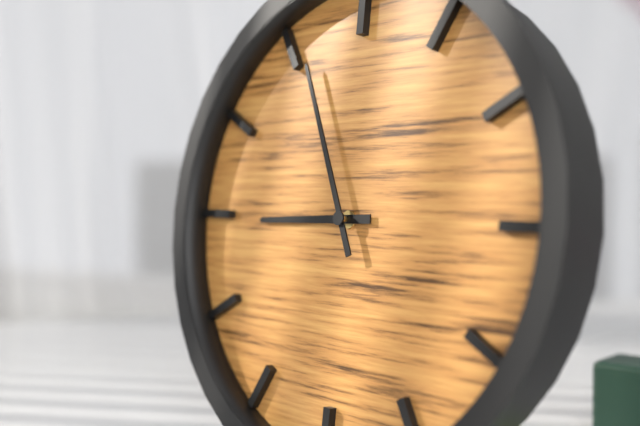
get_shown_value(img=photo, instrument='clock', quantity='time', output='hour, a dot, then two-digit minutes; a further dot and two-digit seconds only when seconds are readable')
8.56
